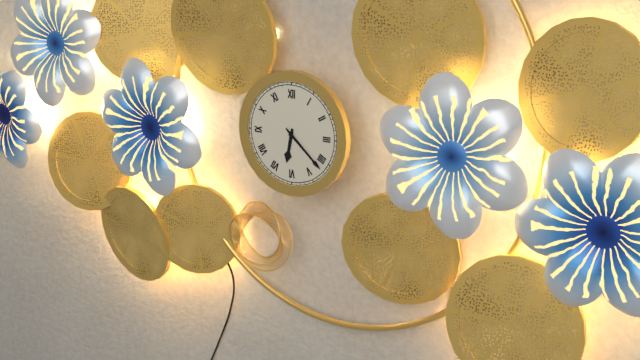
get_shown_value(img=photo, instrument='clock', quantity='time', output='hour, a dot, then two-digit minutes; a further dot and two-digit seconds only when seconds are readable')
6.22
